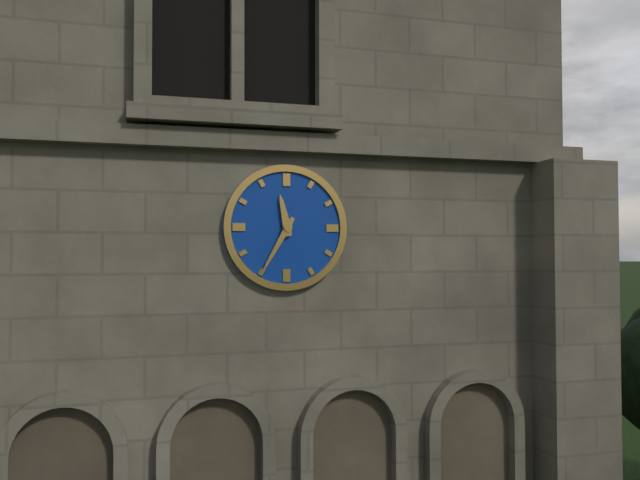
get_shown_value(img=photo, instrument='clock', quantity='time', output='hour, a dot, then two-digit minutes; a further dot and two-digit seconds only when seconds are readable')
11.35
